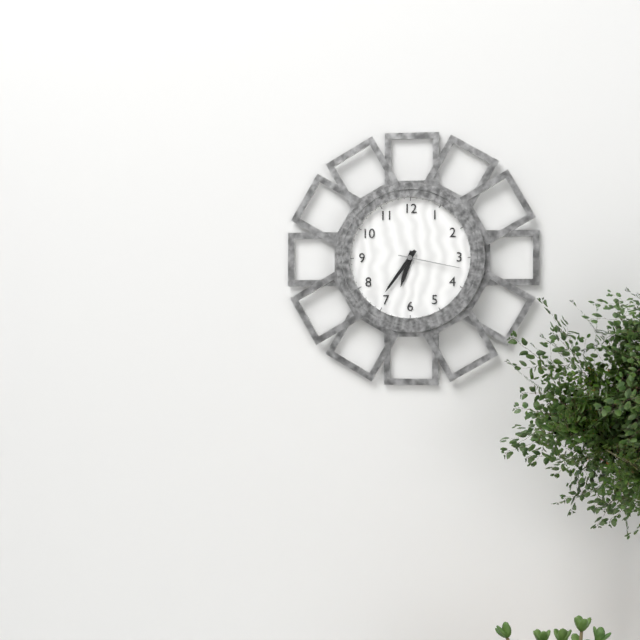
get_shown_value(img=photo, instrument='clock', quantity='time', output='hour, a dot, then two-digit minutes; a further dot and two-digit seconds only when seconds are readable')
6.36.17
